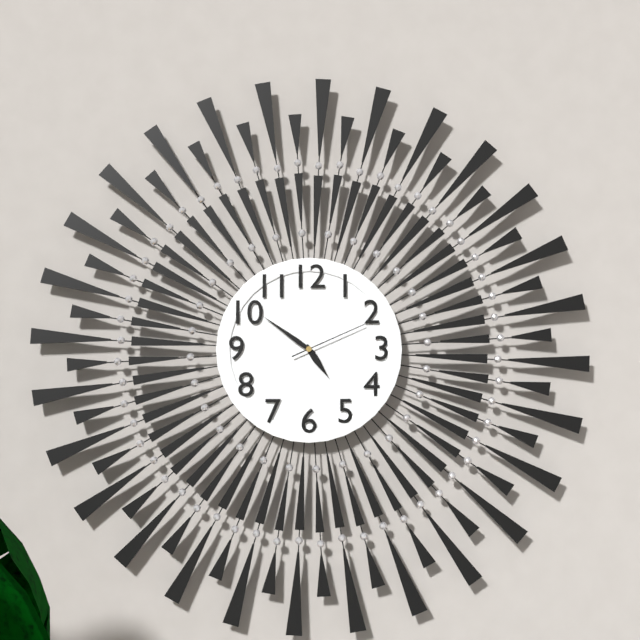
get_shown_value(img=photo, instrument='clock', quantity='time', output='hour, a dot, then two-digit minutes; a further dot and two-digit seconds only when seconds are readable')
4.51.11
